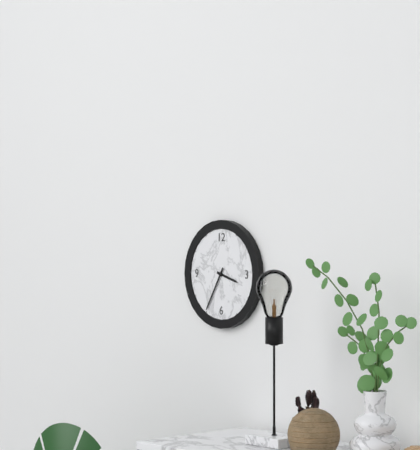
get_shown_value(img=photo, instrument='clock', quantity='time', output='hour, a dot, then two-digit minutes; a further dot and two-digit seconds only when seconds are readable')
3.35
